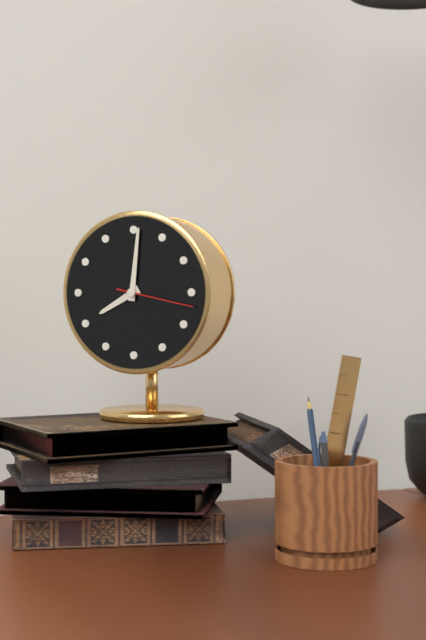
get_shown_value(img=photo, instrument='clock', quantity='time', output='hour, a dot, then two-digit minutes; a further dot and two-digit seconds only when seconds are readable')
8.01.17
